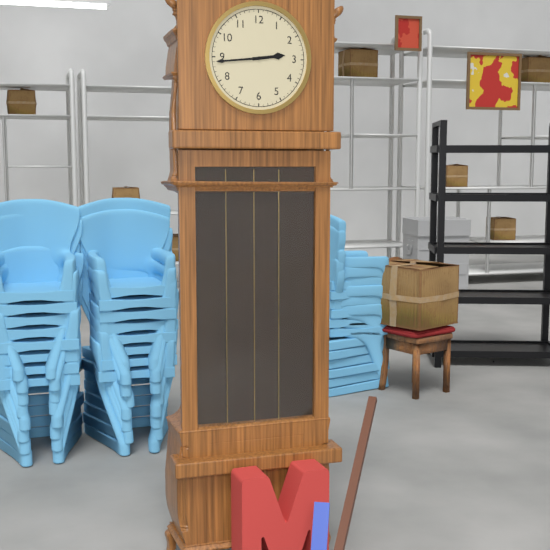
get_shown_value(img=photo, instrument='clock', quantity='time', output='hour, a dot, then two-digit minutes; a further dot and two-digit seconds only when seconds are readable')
2.44
